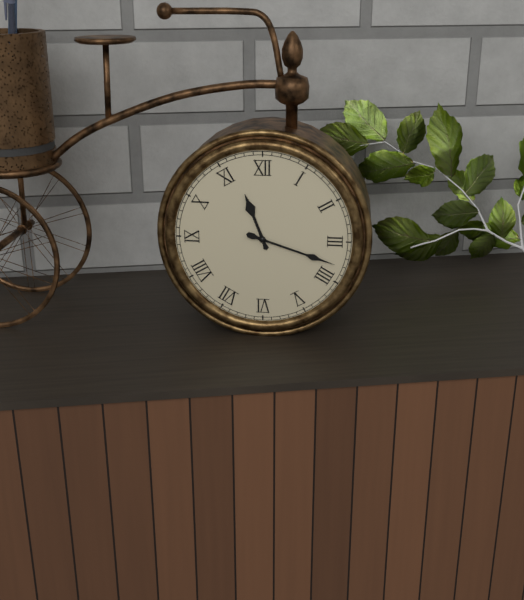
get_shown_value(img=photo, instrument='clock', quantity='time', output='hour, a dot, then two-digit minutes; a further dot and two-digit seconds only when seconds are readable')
11.18
